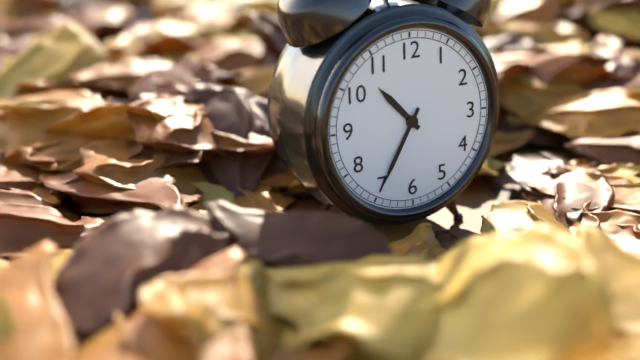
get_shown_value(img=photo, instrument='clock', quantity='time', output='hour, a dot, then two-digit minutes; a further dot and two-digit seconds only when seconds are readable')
10.35
